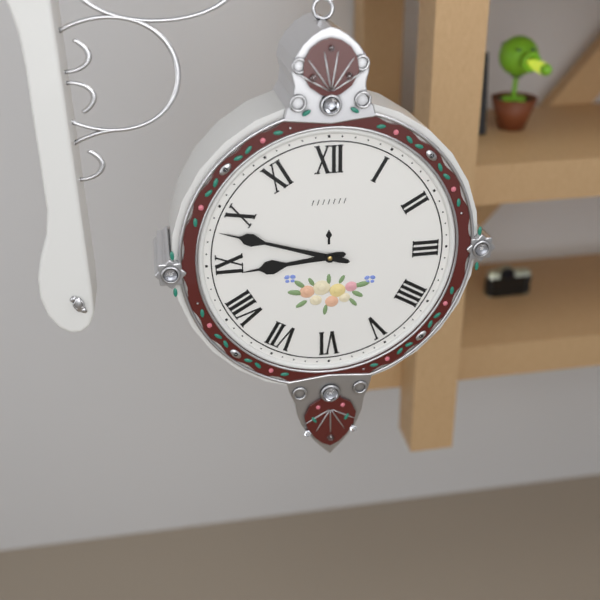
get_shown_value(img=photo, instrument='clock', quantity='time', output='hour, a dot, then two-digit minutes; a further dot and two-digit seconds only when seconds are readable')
8.48
